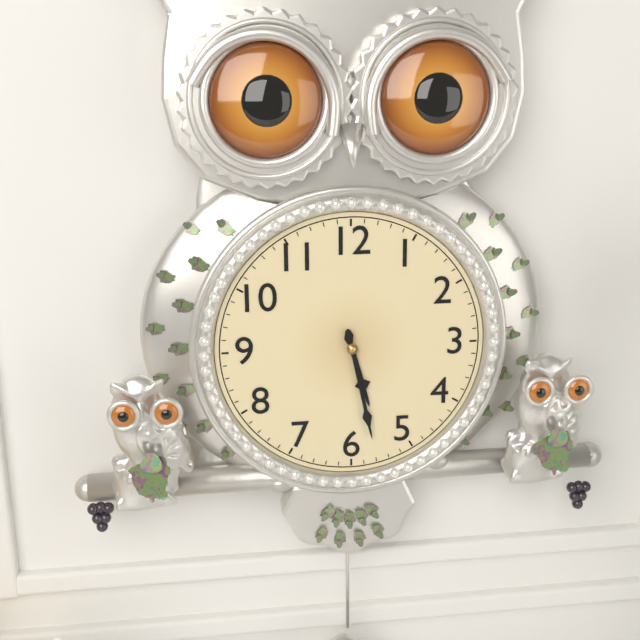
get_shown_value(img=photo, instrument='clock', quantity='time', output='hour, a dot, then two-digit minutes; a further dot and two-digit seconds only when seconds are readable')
5.28
